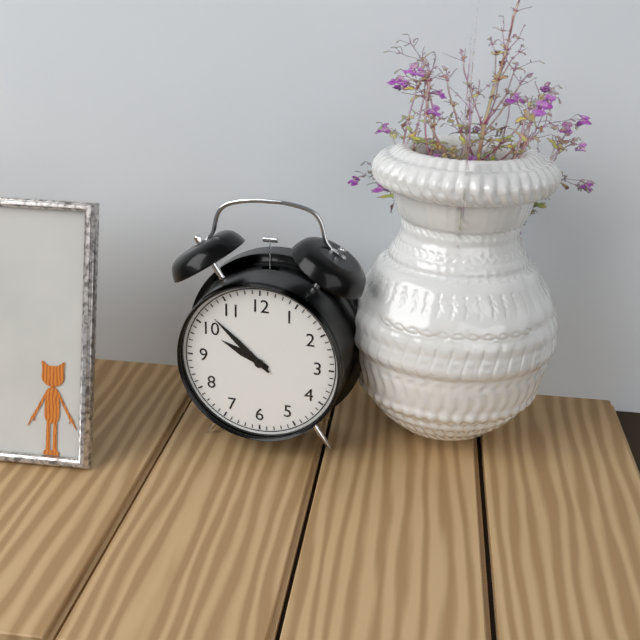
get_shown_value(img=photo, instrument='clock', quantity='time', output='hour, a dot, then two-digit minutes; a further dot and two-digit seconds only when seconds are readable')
9.52
